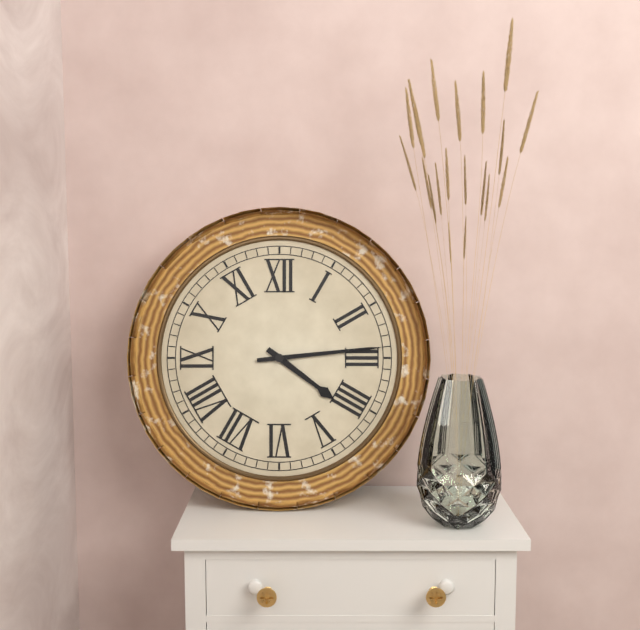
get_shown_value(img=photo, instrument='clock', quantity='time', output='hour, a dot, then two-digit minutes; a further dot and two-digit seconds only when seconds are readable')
4.14
